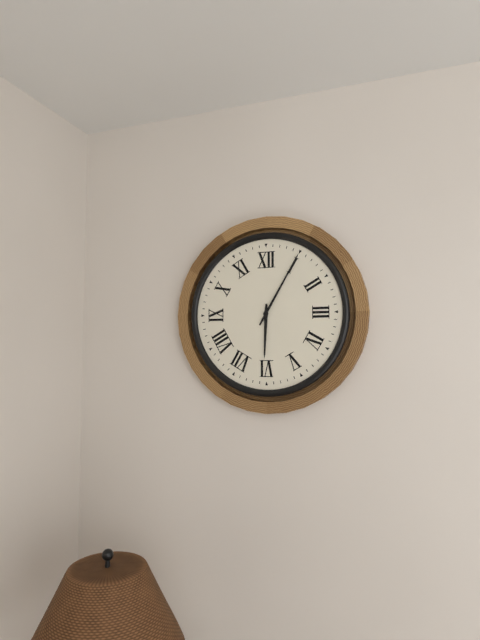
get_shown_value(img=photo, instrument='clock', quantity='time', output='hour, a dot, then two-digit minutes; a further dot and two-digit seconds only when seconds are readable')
6.05
